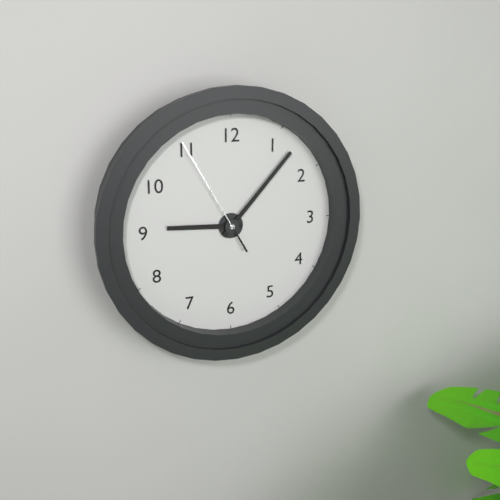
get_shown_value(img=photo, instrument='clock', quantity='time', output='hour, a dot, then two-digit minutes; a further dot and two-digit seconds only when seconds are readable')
9.07.55
